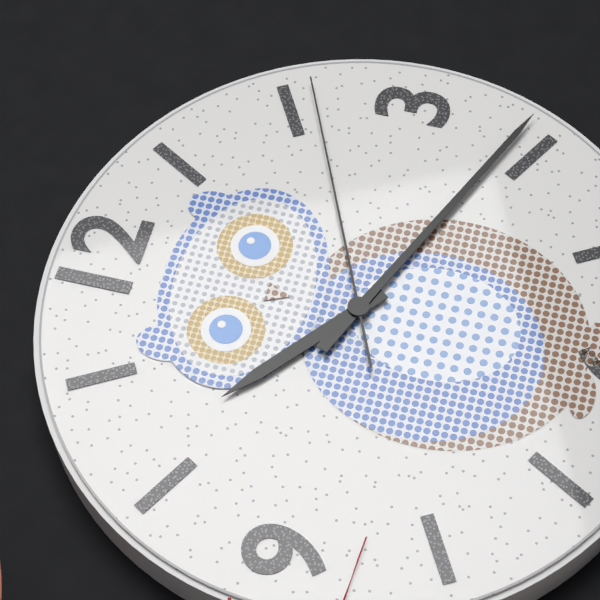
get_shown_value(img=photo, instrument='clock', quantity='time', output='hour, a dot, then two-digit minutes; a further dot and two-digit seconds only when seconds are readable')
10.19.11
